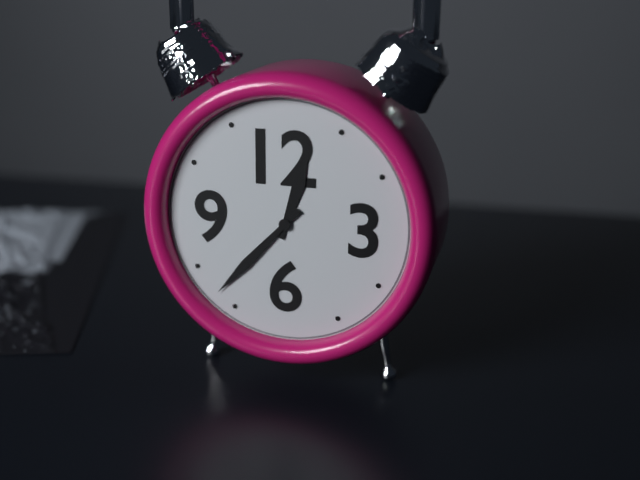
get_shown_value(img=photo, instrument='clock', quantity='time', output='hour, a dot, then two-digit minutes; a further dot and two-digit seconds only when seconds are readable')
12.37
